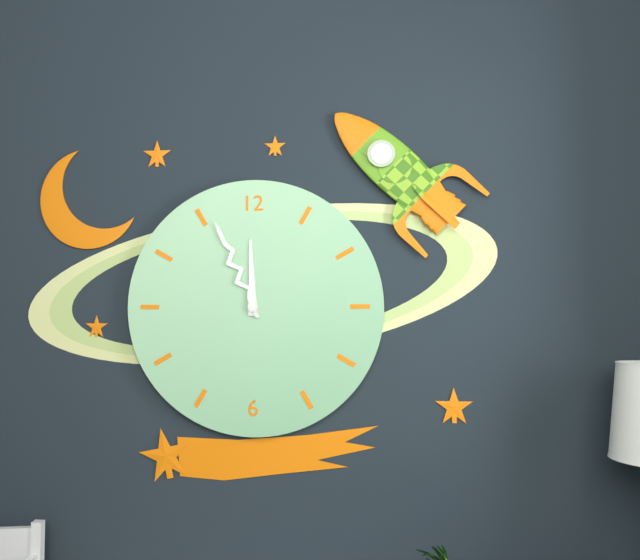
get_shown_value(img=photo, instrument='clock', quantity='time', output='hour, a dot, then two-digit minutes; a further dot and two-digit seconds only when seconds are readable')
11.56
